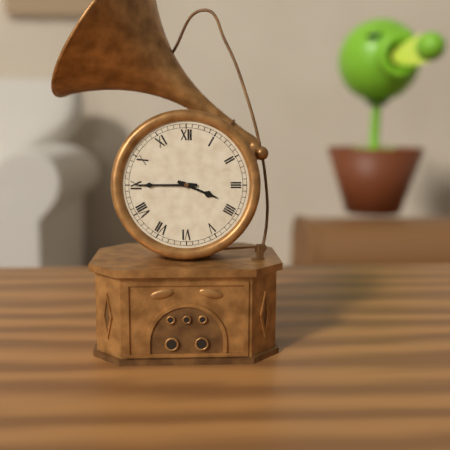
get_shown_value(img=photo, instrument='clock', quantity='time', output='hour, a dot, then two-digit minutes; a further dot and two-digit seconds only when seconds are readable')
3.45
